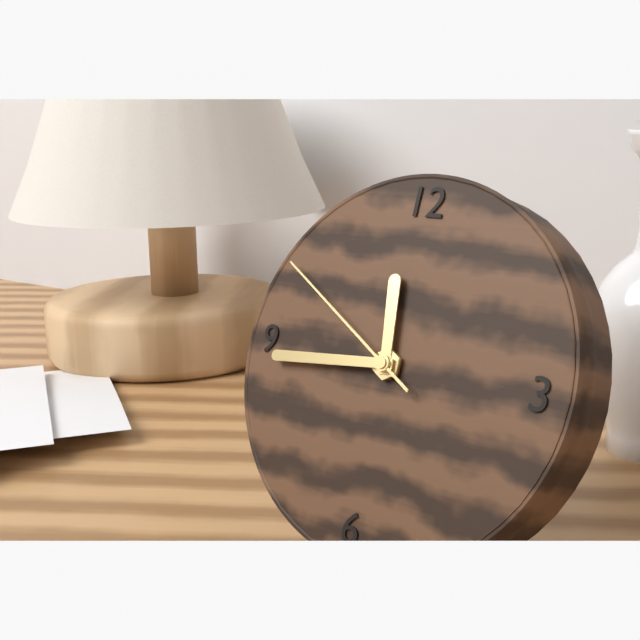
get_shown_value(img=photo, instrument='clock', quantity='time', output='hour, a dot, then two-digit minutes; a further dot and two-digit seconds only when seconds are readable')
11.44.50
